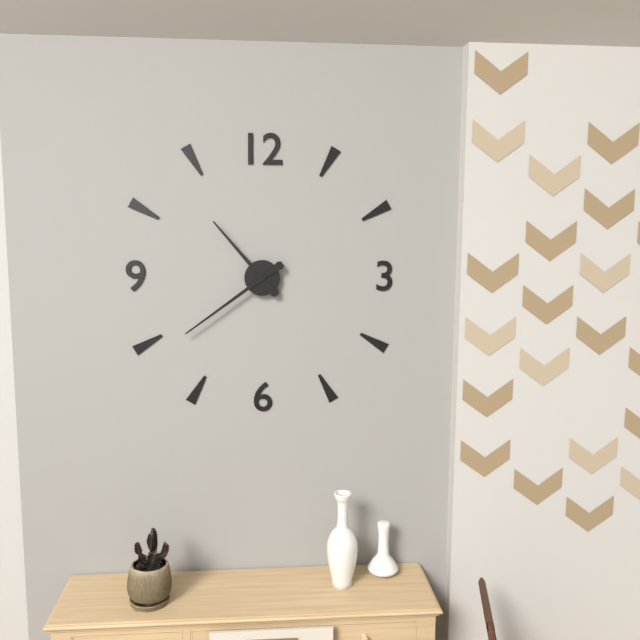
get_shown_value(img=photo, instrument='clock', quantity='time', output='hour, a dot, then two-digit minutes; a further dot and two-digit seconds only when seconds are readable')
10.39
